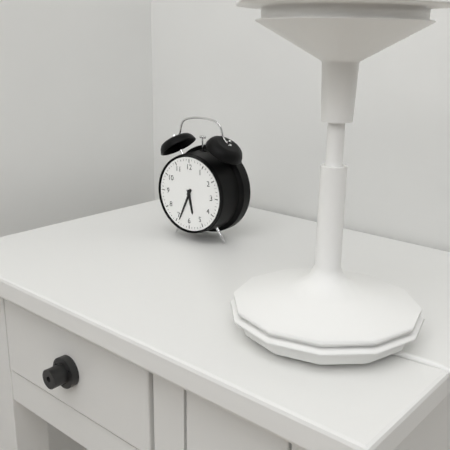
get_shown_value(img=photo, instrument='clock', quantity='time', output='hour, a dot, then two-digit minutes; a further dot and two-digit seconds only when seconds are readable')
5.34
